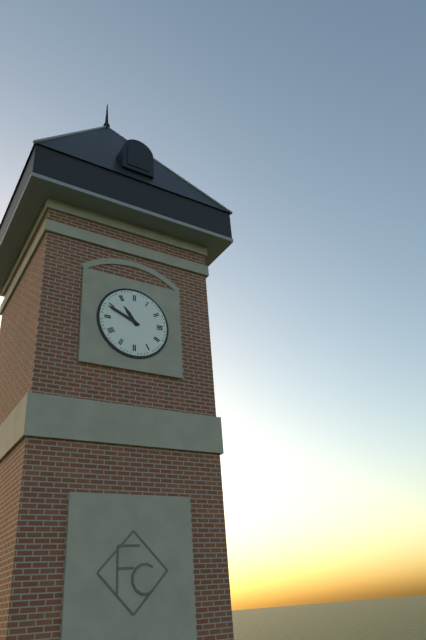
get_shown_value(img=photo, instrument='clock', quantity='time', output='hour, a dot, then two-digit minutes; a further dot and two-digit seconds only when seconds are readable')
10.49
